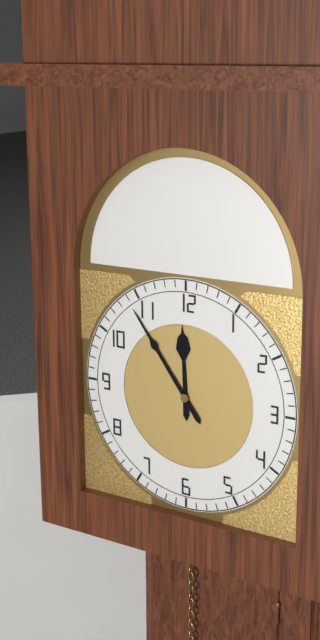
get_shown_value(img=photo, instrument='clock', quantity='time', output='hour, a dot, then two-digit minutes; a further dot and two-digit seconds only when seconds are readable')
11.54
